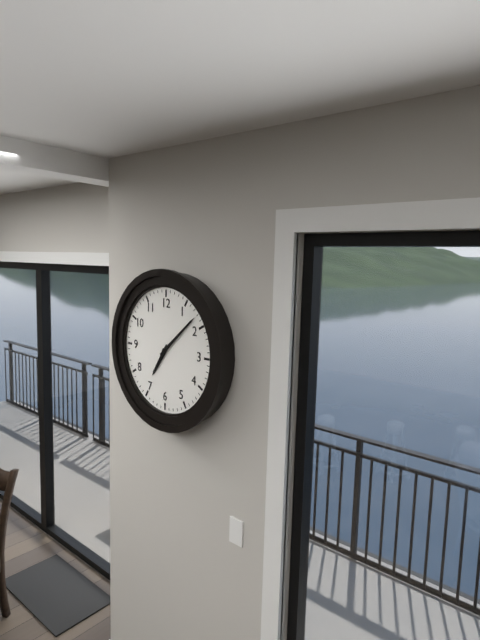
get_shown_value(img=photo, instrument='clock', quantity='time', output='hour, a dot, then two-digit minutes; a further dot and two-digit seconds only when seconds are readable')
7.08
